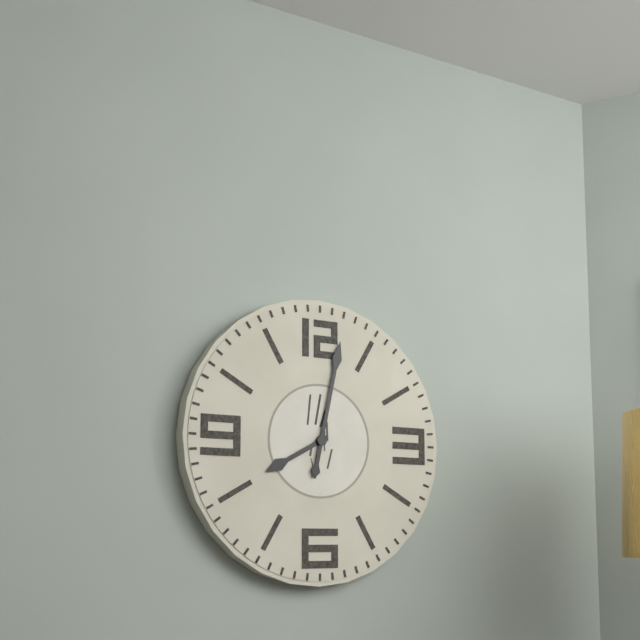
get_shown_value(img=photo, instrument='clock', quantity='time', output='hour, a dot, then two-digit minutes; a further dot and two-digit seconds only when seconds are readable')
8.02
